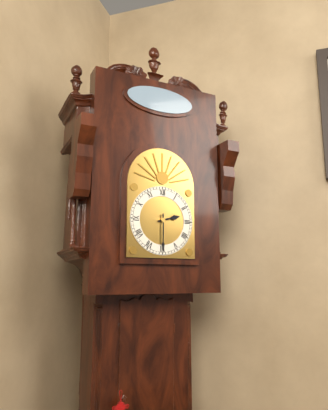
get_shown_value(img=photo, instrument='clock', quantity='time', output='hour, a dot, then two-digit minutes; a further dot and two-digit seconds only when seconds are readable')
2.30
